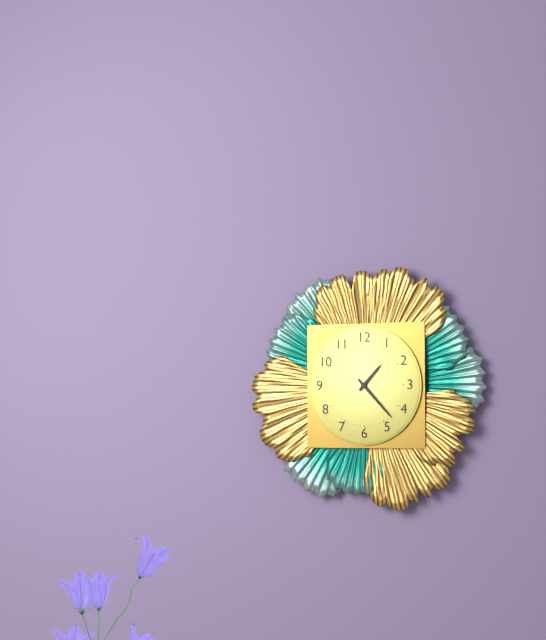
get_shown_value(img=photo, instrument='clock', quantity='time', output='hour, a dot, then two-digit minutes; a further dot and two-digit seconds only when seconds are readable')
1.23
